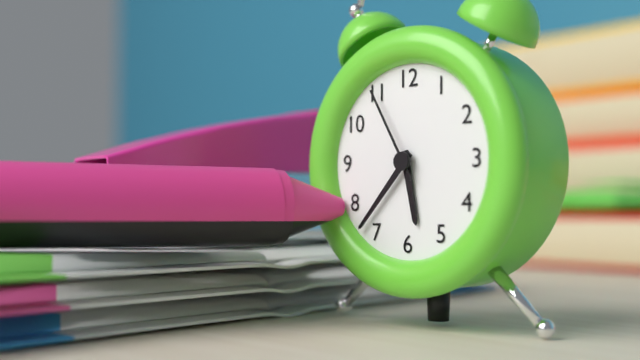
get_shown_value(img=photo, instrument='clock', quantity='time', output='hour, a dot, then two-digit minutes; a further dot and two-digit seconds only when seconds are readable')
5.37.55
